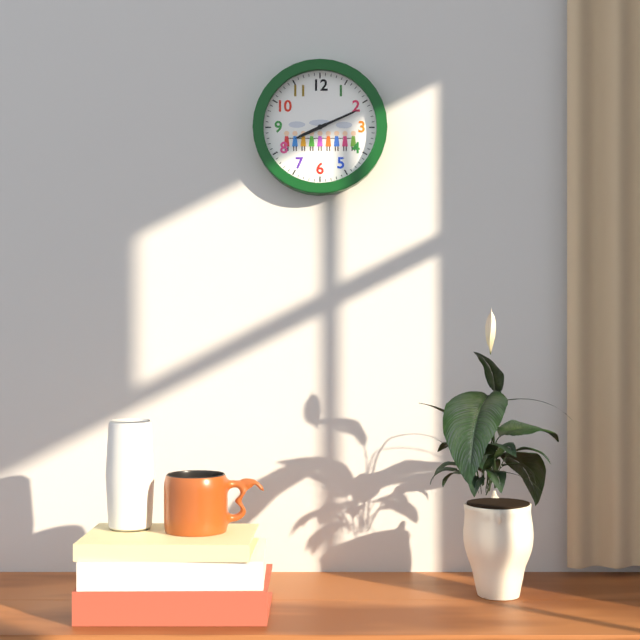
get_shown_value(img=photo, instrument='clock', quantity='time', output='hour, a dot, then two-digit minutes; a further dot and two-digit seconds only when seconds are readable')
8.11
